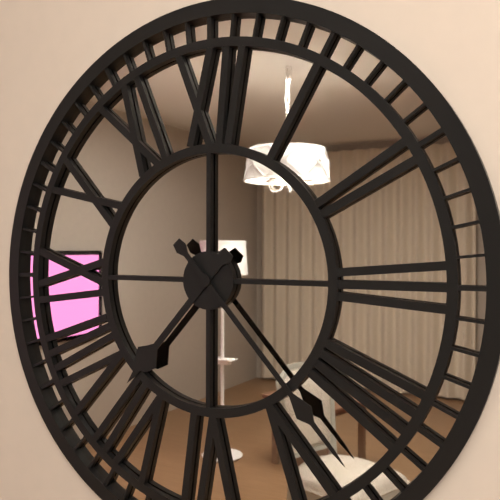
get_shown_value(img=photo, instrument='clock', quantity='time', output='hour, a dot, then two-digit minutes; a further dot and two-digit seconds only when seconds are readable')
7.23
